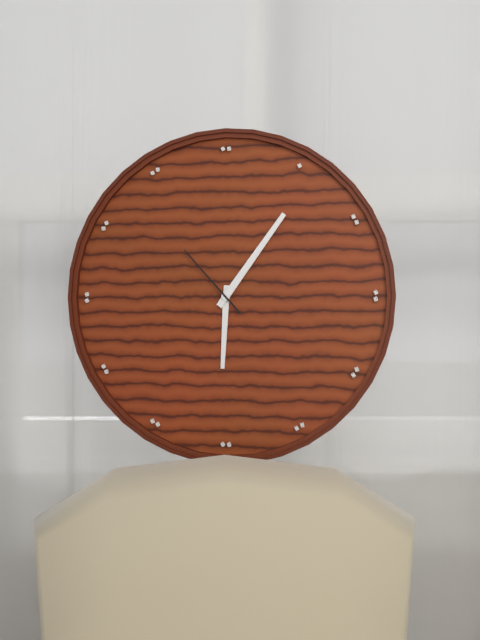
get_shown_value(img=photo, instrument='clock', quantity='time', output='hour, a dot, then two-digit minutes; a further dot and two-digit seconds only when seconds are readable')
6.06.53
